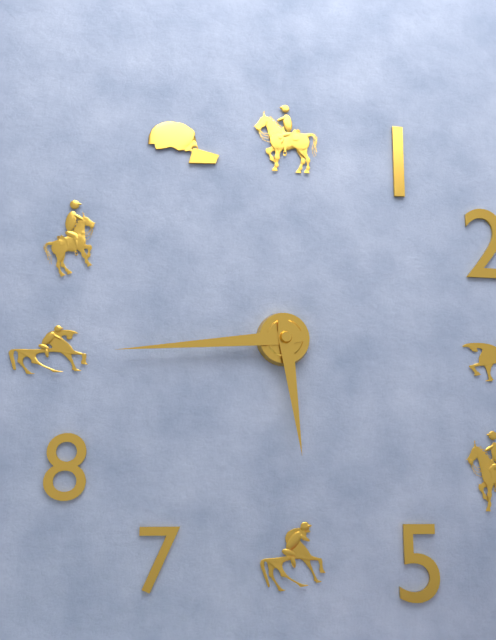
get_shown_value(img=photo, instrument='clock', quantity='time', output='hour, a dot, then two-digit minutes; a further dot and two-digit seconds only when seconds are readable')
5.44
